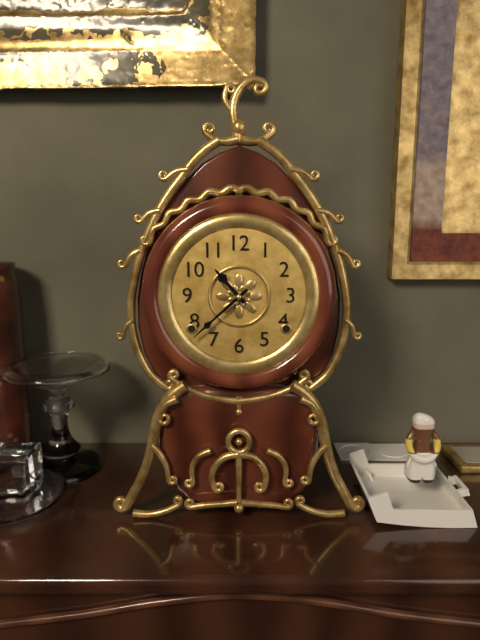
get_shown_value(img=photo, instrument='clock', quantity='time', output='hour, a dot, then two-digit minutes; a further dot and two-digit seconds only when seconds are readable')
10.38
